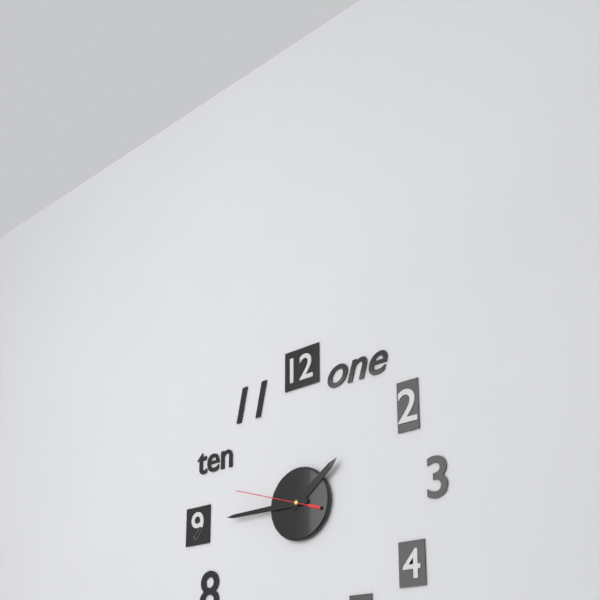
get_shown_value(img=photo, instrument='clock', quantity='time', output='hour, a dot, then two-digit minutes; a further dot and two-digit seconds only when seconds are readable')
1.45.48
